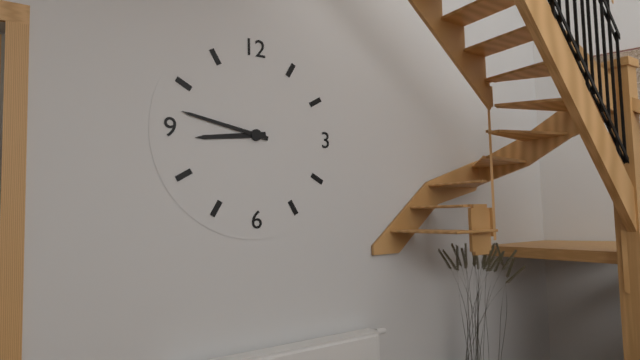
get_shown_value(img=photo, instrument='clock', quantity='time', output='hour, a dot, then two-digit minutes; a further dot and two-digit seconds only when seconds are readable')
8.47
